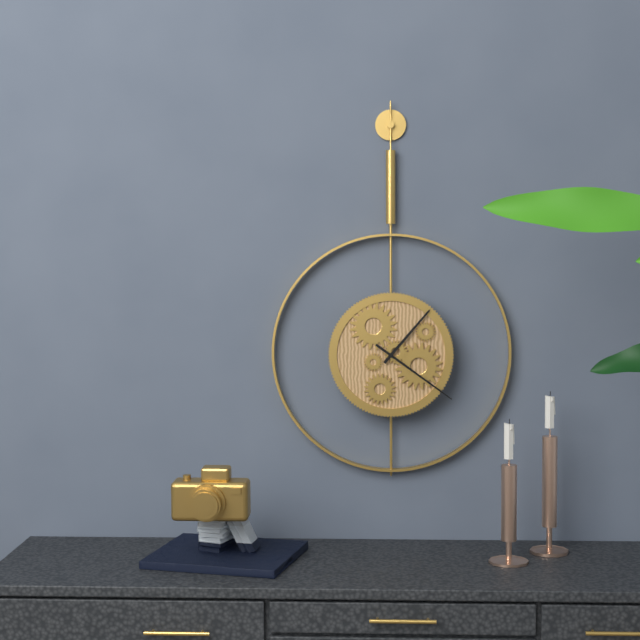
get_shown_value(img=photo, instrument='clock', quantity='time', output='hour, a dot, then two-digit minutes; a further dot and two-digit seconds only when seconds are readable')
1.21
